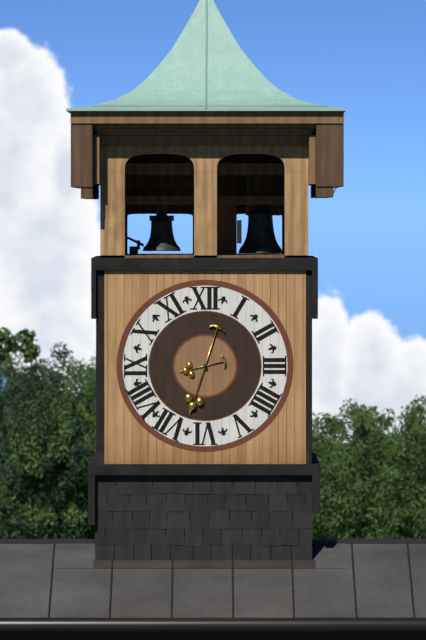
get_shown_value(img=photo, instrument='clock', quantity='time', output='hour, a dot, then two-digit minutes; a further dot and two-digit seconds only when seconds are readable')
8.33
